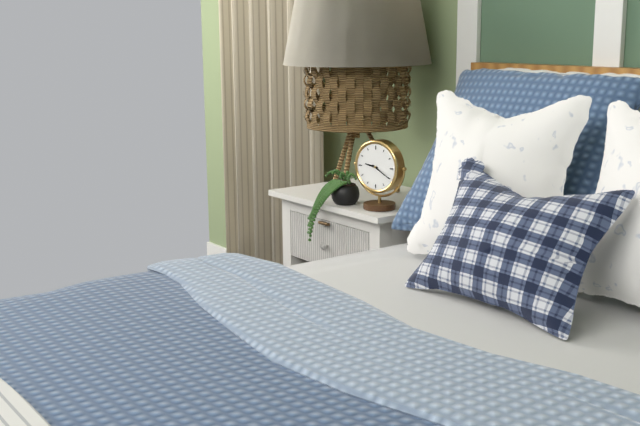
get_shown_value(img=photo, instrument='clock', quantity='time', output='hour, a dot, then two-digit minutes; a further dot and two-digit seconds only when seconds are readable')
9.20
